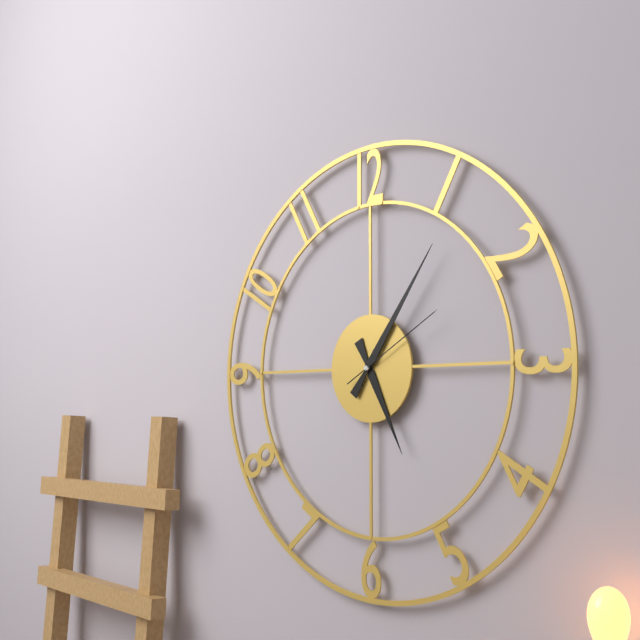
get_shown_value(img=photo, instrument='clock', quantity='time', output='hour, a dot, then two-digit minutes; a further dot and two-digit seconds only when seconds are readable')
5.06.10
